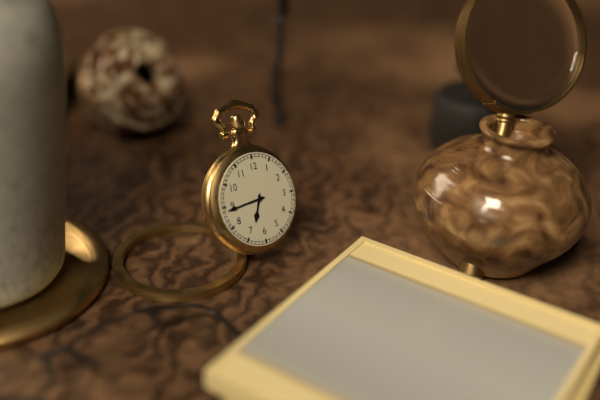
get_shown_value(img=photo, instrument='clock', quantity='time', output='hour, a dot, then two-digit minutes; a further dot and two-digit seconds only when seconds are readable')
6.44
